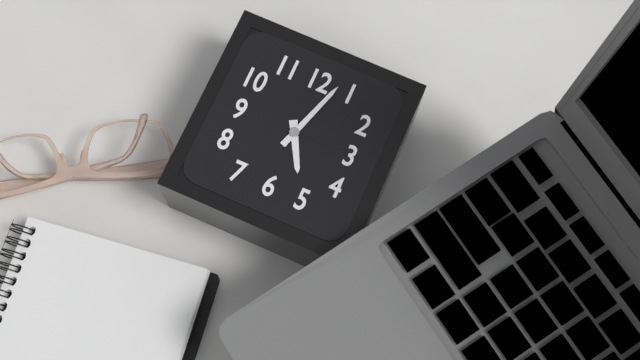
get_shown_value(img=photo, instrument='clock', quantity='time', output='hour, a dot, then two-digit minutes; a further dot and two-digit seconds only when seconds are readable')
5.03
